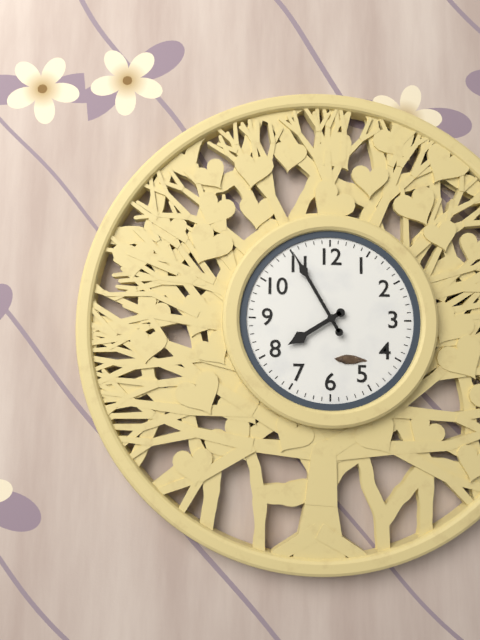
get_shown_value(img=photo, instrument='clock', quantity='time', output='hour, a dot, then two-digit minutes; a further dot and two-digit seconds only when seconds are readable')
7.55
